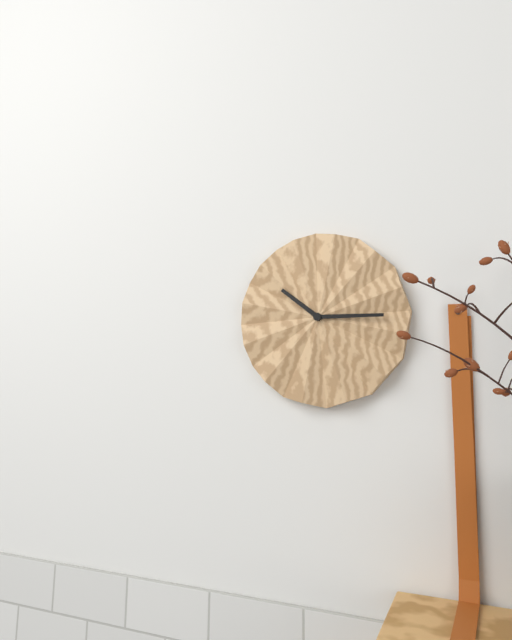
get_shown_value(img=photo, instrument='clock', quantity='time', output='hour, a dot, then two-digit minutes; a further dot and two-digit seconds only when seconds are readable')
10.15
